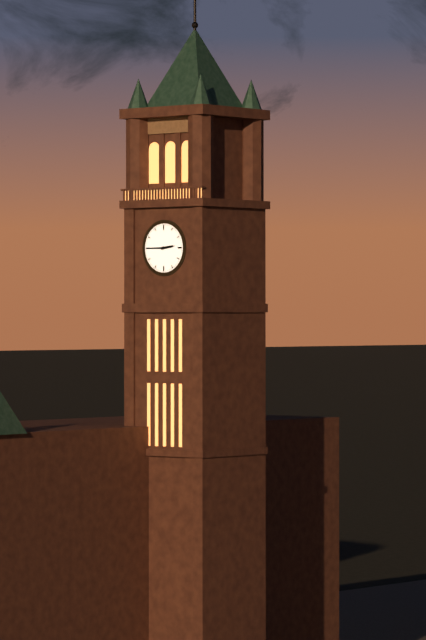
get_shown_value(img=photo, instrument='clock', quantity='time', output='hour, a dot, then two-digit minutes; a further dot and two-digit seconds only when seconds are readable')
2.45
